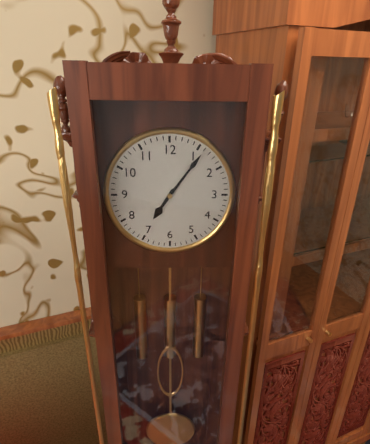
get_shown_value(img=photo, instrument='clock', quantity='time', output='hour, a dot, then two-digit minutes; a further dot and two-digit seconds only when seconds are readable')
7.06
